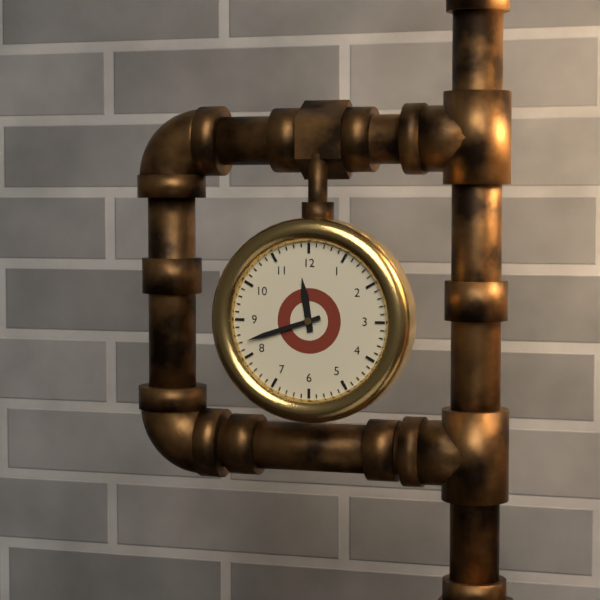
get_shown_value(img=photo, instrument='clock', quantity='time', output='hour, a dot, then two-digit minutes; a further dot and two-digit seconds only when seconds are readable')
11.42
